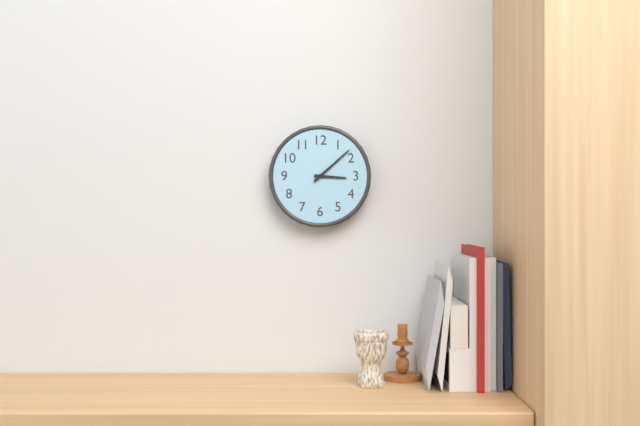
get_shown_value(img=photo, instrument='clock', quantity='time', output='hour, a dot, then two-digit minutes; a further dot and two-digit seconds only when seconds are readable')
3.08
